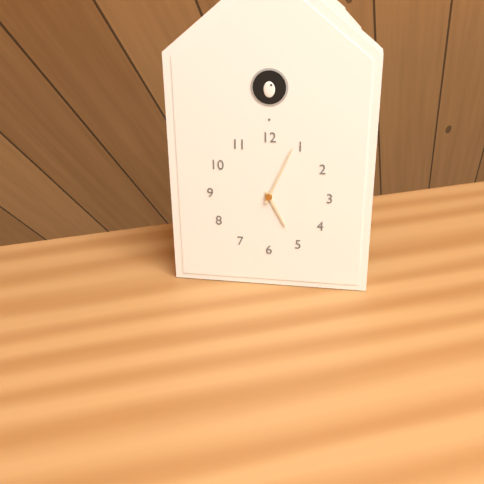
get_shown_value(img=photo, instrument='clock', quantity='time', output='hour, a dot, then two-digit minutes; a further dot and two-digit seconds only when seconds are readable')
5.04
